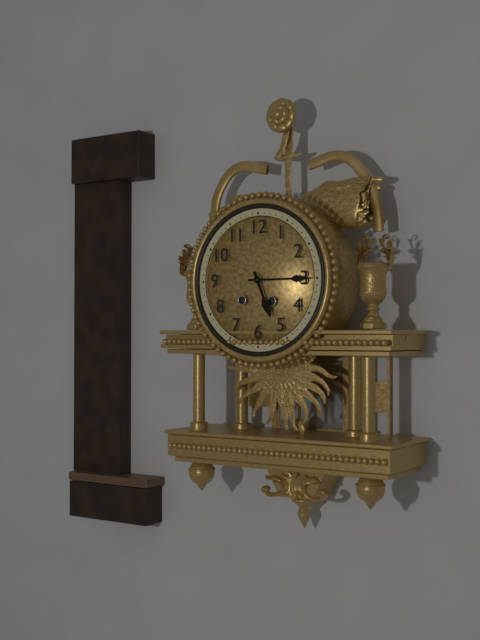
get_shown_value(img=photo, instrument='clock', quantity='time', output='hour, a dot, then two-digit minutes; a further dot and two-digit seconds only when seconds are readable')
5.15
